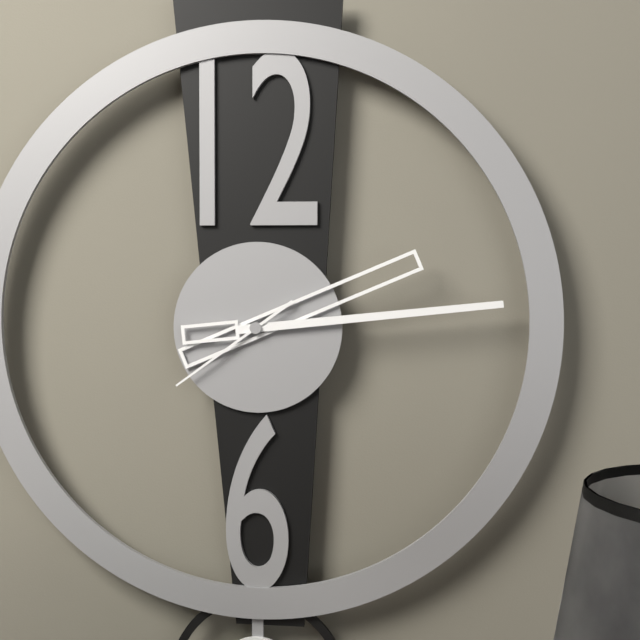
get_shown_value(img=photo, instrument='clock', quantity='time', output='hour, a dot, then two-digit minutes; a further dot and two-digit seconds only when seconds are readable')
2.14.39
